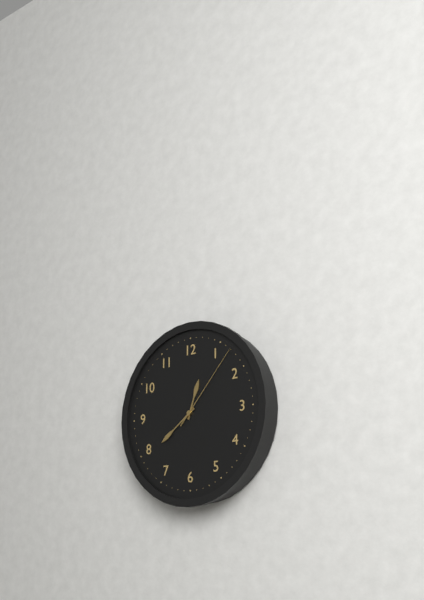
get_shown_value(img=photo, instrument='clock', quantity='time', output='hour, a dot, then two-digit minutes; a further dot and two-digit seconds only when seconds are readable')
12.39.07
